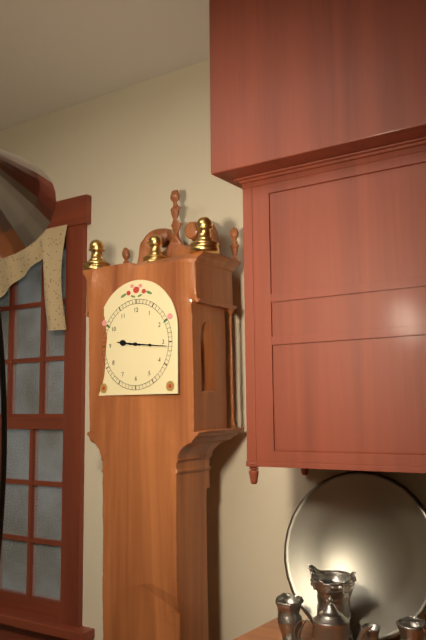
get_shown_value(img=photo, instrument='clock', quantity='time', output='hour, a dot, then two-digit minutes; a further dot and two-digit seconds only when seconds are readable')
9.16
